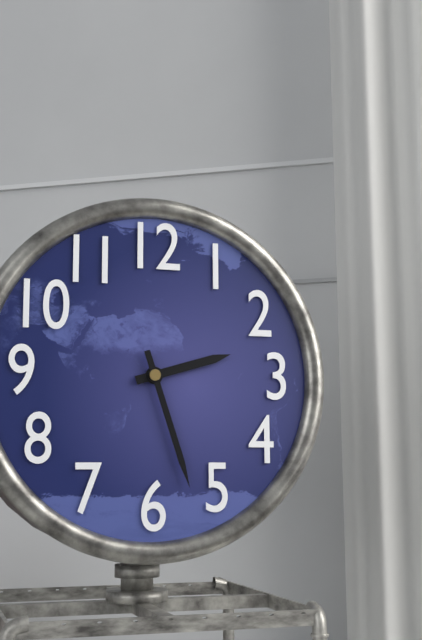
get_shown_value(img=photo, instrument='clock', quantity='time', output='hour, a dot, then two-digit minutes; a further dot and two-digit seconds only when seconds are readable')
2.27
